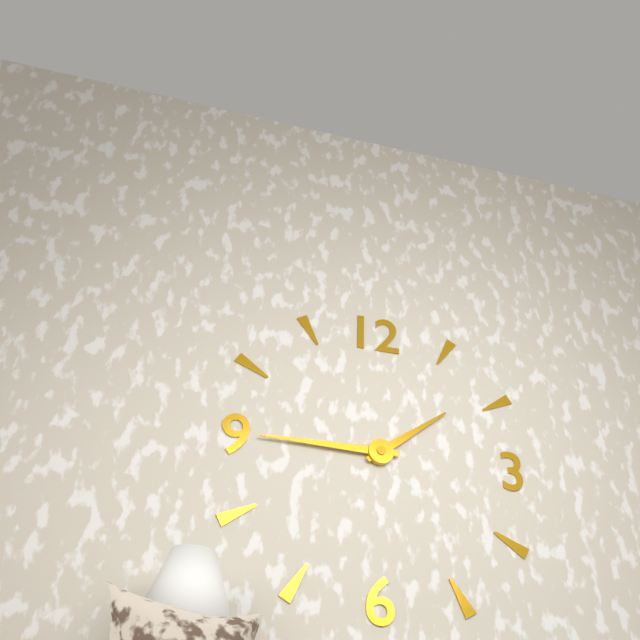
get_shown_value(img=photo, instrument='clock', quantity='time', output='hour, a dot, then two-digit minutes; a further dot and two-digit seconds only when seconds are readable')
1.45
